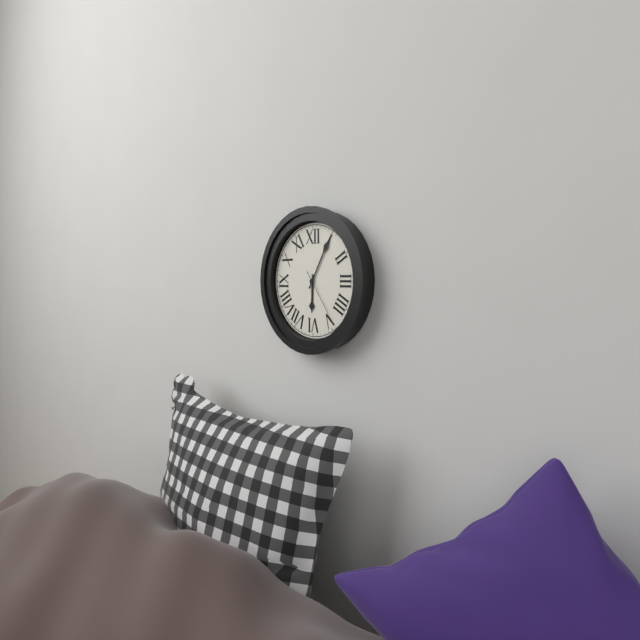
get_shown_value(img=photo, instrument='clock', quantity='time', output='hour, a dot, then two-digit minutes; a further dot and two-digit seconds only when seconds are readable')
6.05.24
